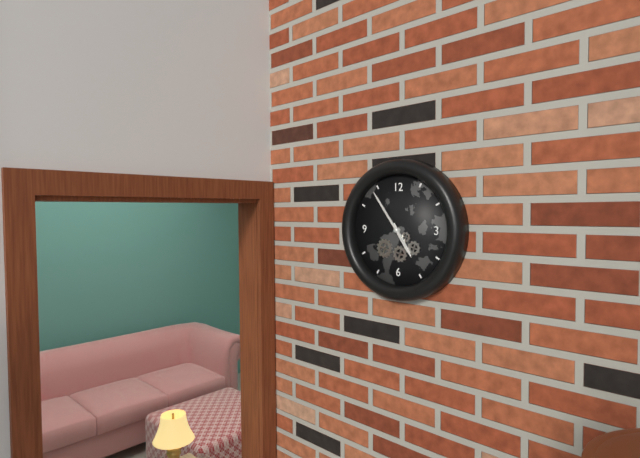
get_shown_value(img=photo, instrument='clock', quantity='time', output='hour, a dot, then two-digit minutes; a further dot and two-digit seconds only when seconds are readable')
4.54
